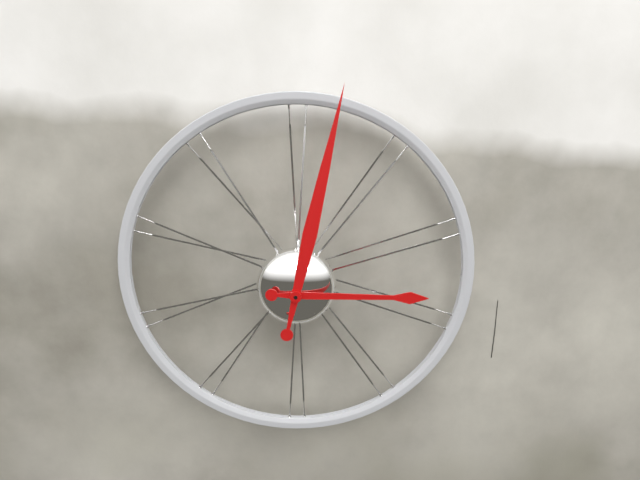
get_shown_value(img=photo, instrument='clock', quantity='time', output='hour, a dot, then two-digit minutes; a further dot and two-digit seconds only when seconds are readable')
3.02
